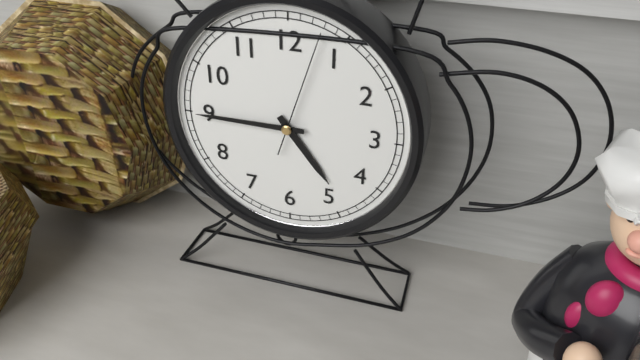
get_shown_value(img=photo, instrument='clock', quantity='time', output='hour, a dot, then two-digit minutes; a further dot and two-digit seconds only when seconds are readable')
4.45.03
